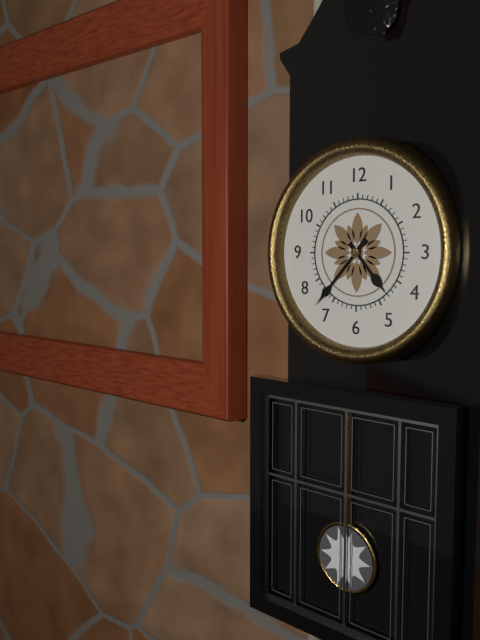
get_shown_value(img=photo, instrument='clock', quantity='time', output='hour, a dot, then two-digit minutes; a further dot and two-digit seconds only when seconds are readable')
4.37
